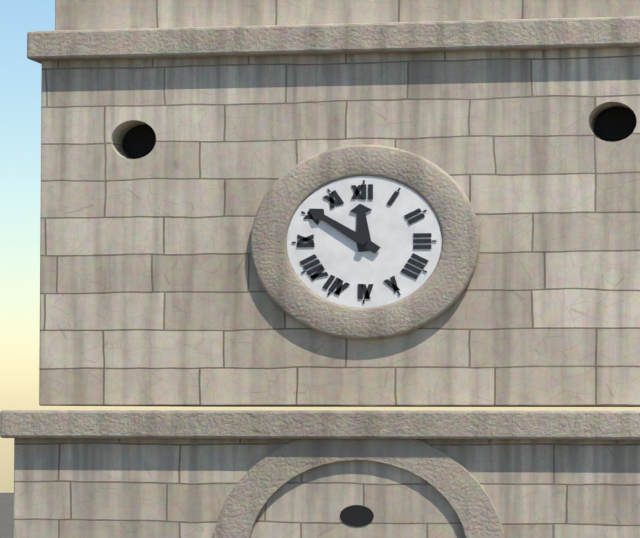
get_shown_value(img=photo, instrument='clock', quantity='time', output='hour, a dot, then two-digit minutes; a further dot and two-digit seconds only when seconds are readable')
11.51
